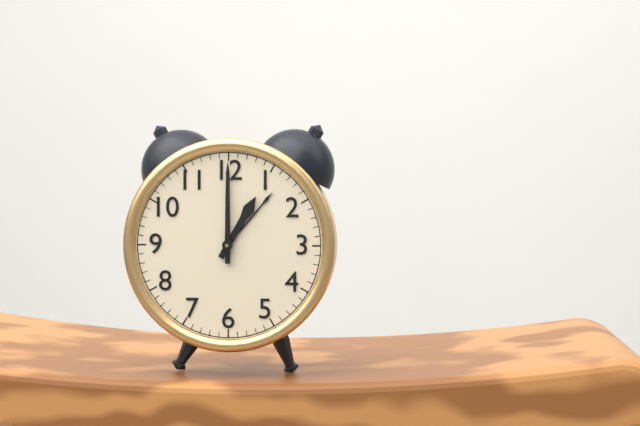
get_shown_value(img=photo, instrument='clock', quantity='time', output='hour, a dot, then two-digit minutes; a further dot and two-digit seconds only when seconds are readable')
1.00
